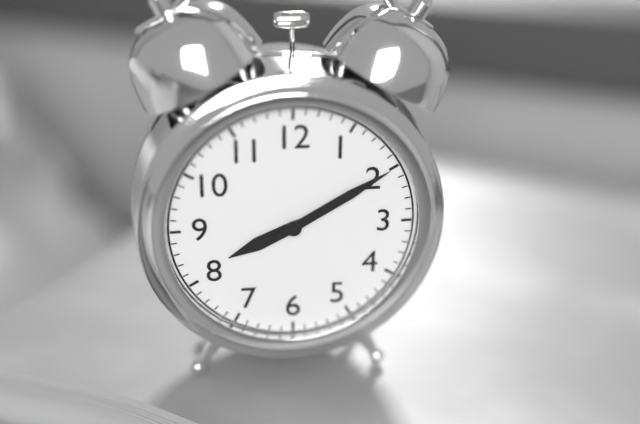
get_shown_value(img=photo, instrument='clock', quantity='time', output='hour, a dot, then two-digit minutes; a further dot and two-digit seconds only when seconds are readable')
8.10
